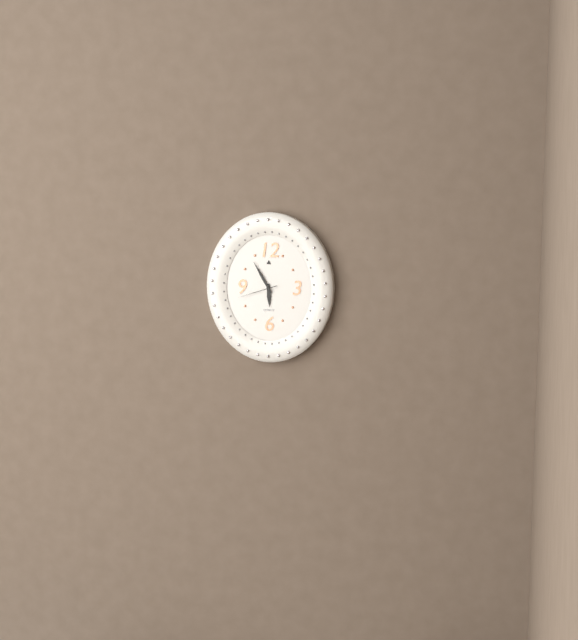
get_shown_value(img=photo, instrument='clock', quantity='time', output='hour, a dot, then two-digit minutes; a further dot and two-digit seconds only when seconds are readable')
5.55
